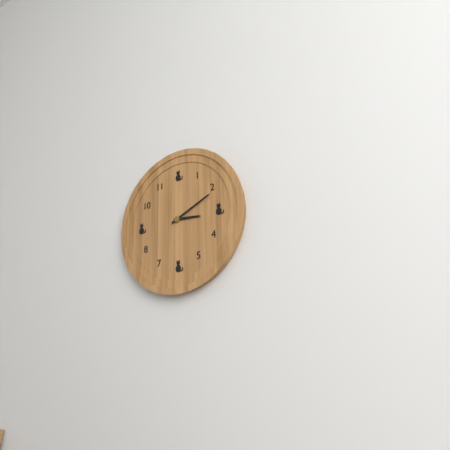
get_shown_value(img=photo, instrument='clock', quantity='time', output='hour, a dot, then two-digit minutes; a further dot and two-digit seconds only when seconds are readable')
3.11
